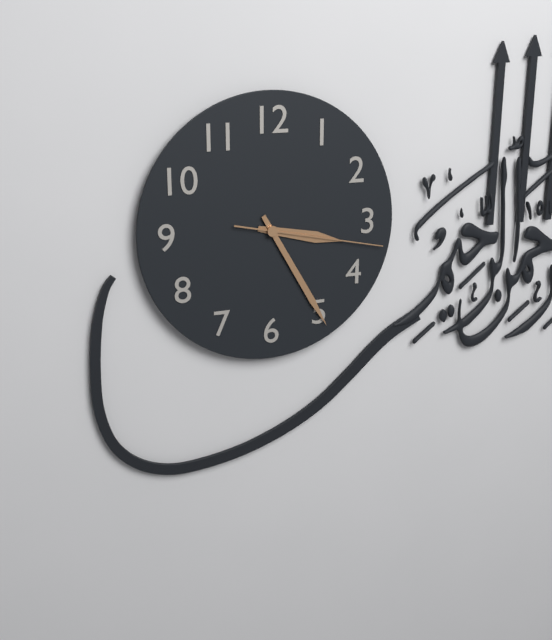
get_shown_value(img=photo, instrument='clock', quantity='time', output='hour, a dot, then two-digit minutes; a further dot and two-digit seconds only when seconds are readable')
3.25.17
